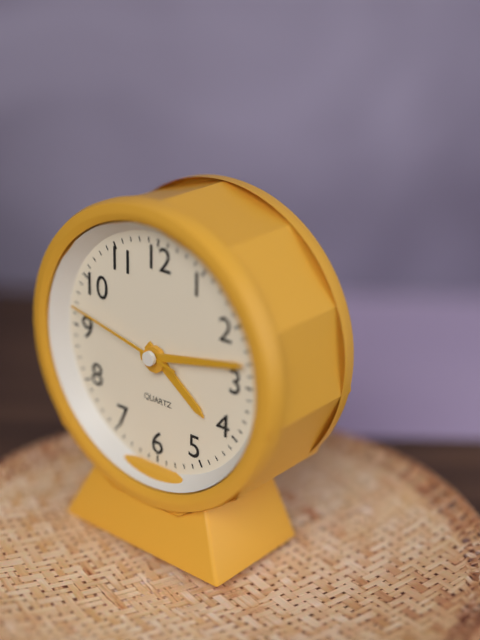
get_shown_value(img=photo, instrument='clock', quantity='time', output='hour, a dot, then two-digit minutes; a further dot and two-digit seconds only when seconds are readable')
4.13.47
